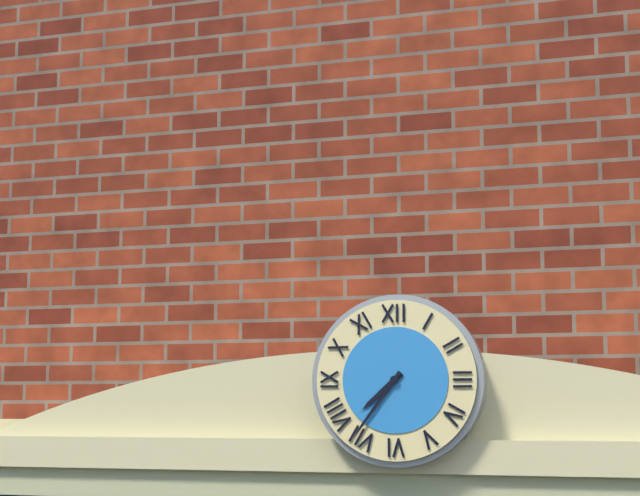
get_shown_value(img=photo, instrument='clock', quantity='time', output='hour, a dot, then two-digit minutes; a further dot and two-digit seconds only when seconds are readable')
7.36
